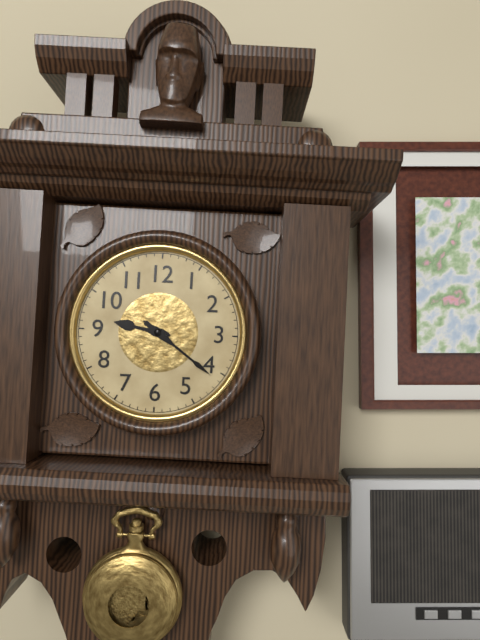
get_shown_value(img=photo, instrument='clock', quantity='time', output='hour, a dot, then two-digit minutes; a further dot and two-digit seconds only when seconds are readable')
9.21
